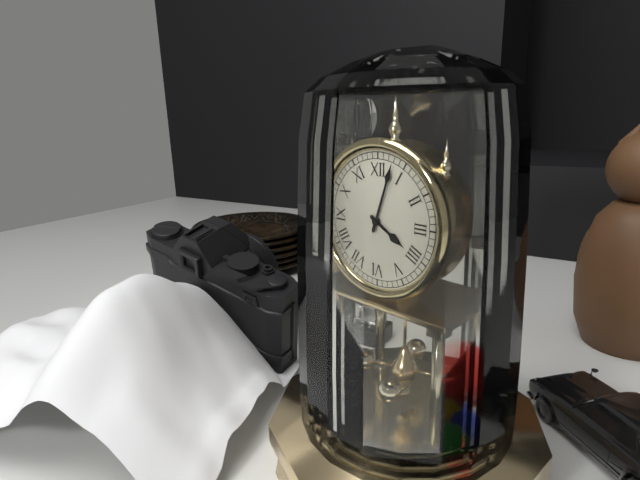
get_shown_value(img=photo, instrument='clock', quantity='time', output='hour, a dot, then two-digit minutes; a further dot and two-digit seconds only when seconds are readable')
4.03
